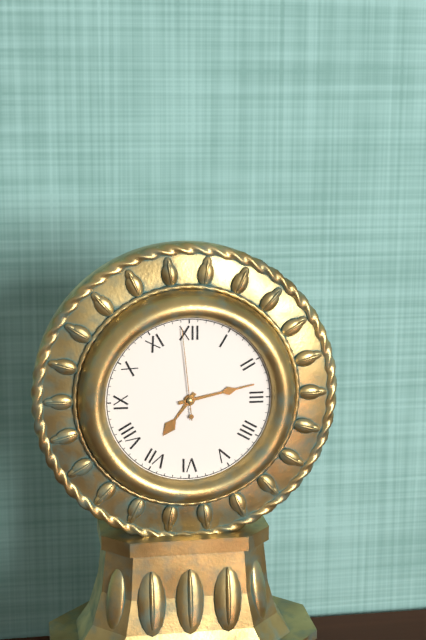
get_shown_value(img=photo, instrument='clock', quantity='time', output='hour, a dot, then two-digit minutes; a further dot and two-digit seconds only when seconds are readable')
7.13.59
